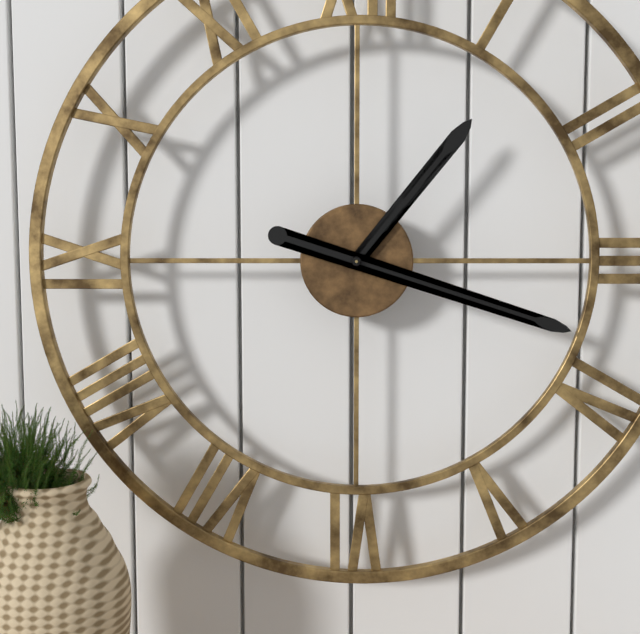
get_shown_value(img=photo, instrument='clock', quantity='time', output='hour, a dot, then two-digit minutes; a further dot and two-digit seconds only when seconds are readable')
1.18
